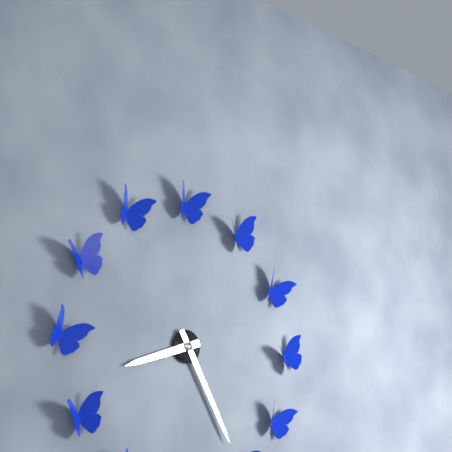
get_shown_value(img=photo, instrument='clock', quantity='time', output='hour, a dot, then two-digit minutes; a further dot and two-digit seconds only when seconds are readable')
8.25
